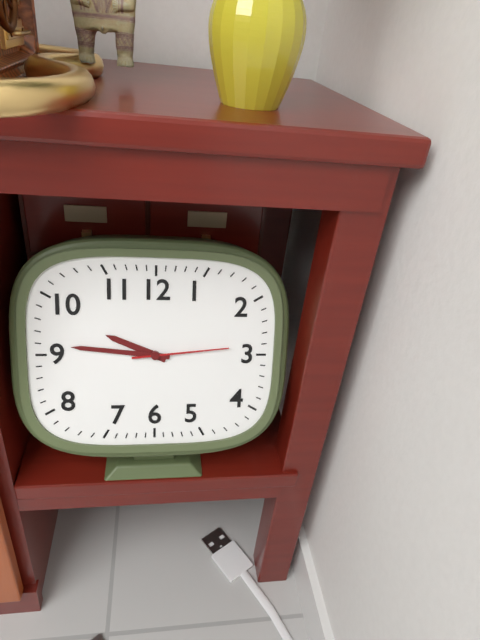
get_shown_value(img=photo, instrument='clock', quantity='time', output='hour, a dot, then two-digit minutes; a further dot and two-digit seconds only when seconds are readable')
9.46.14
